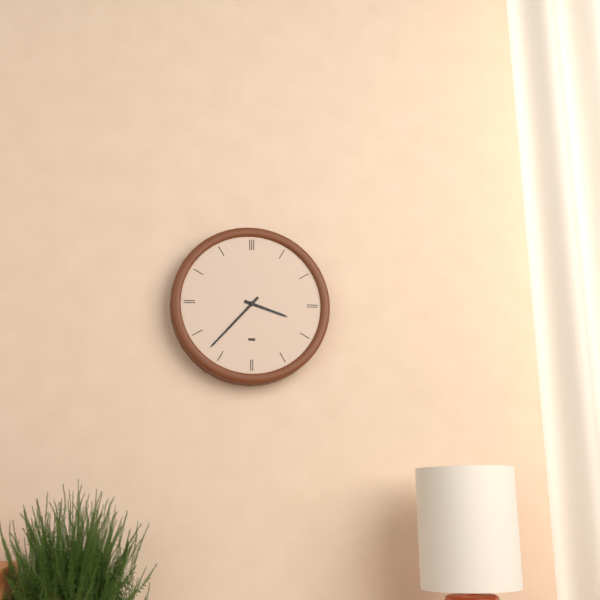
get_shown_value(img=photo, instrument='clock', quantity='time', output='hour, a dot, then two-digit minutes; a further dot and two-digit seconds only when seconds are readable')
3.37
